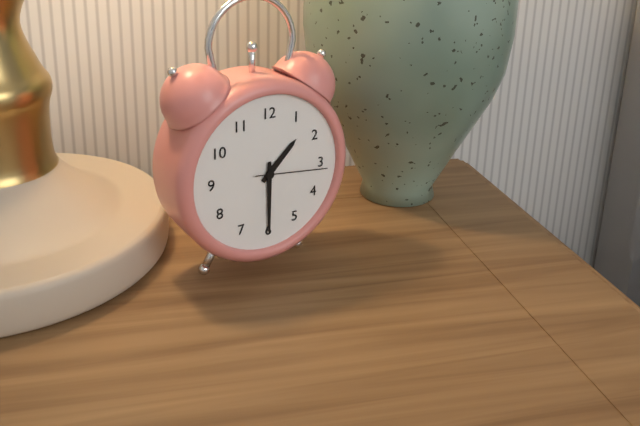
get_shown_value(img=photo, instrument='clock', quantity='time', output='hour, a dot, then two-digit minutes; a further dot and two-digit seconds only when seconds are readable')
1.30.16
